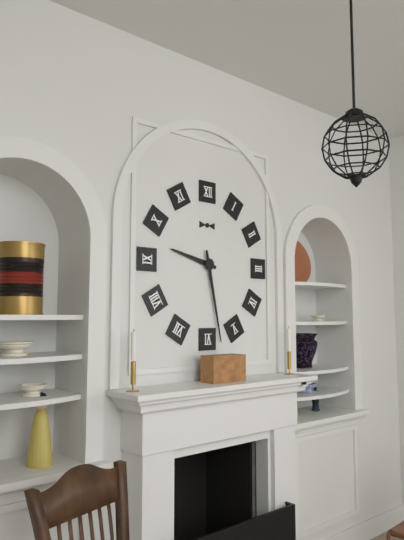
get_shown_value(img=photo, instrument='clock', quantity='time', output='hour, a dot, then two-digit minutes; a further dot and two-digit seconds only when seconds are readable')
9.28
